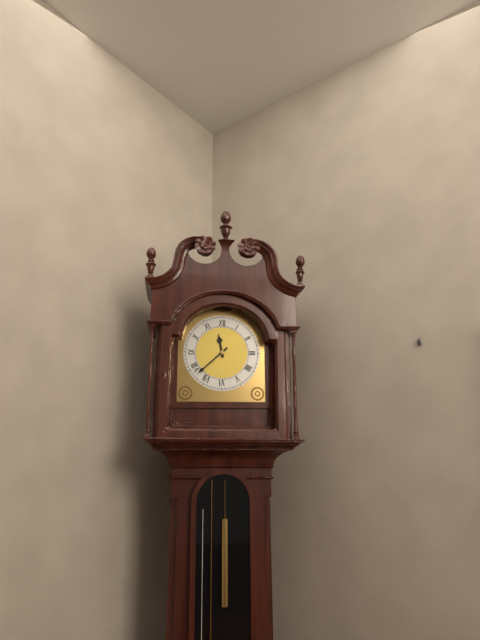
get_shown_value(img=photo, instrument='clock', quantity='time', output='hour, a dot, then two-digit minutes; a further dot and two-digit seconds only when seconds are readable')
11.38
